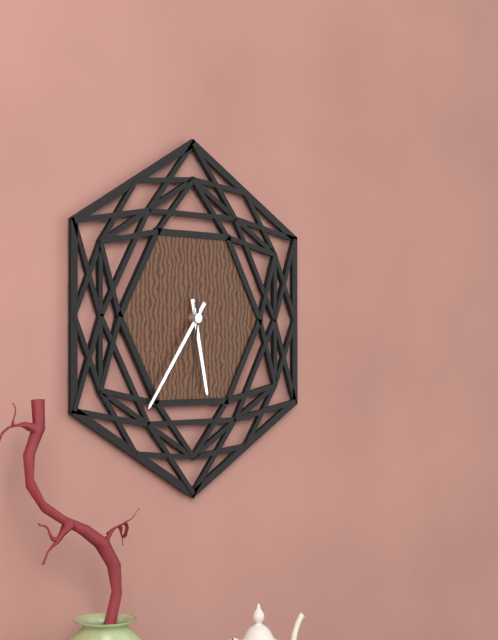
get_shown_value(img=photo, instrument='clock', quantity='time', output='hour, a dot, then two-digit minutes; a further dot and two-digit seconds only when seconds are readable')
5.36.31
